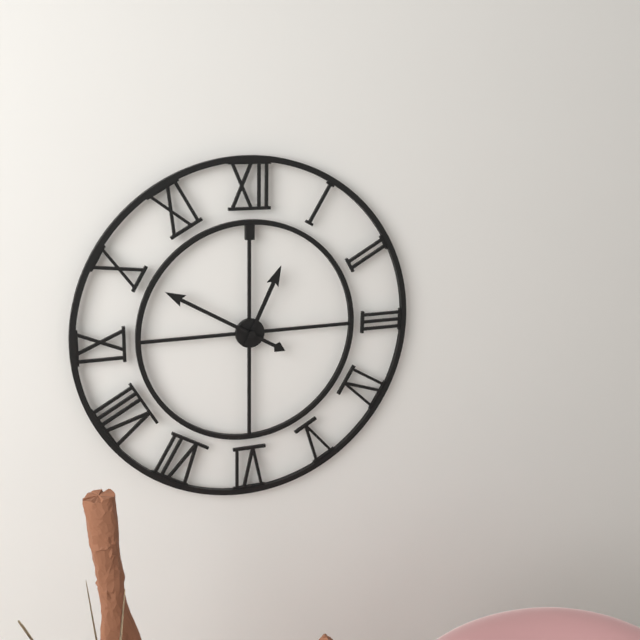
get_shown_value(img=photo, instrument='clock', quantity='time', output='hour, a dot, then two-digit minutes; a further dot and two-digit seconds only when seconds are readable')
12.50
